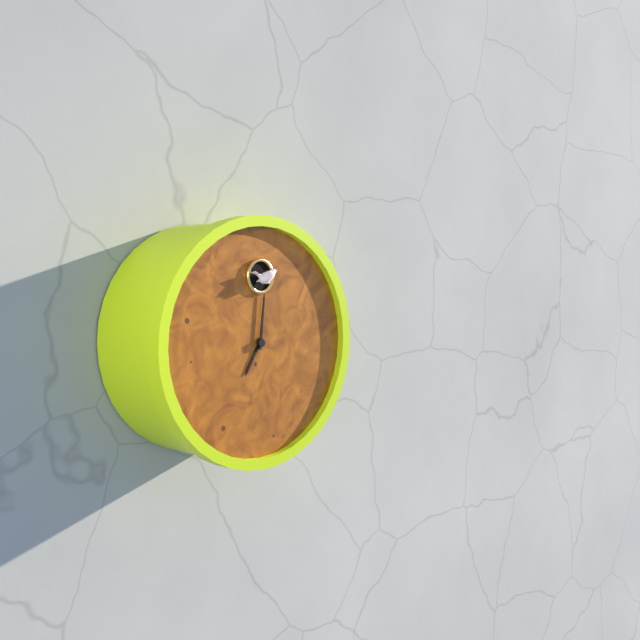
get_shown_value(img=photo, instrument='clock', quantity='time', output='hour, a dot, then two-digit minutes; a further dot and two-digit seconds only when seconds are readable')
7.01
